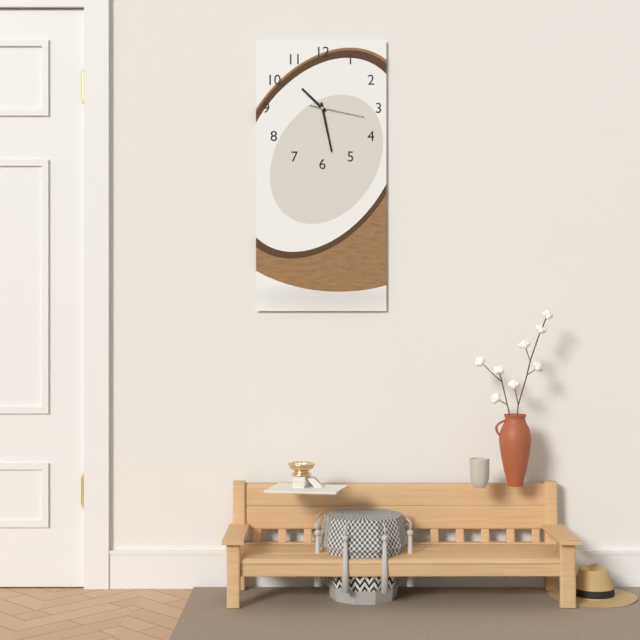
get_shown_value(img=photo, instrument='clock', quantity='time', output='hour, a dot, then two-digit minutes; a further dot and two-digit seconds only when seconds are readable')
10.28.17
